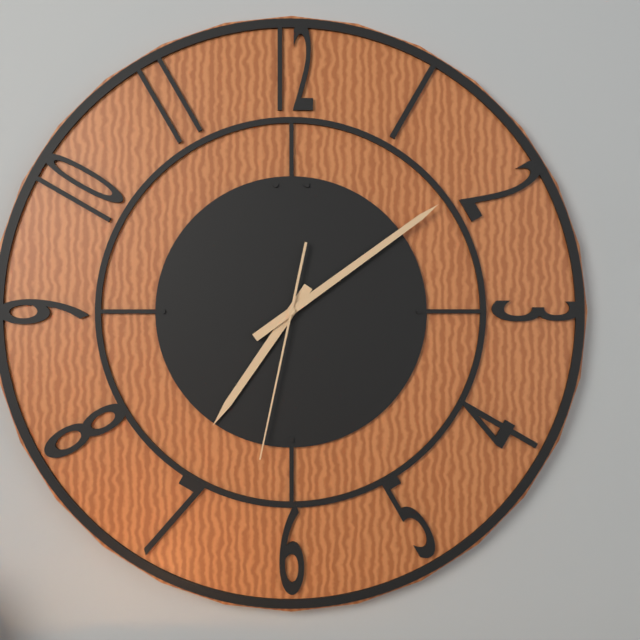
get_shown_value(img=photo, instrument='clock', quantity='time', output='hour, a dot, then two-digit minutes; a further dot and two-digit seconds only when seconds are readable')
7.09.32
